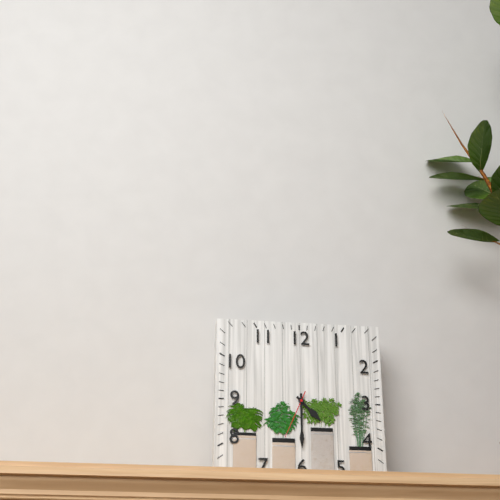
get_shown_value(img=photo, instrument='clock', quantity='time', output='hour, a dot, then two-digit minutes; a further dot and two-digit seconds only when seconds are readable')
4.30
